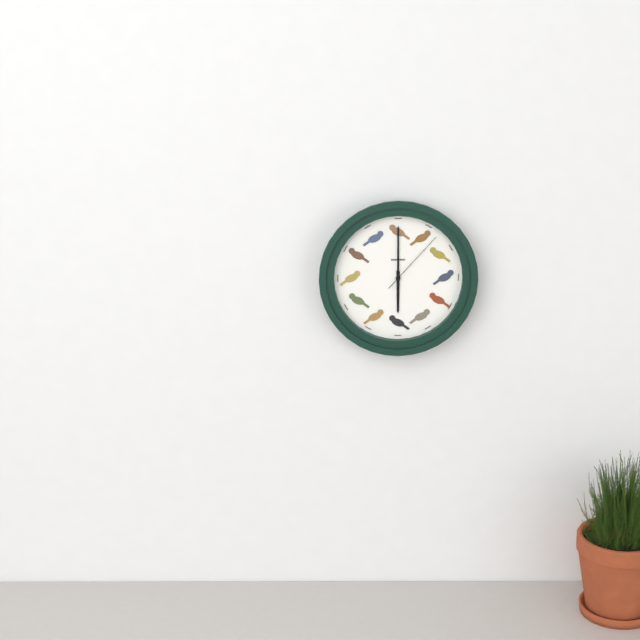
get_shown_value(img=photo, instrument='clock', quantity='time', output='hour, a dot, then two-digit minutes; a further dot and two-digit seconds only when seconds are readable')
6.00.07
